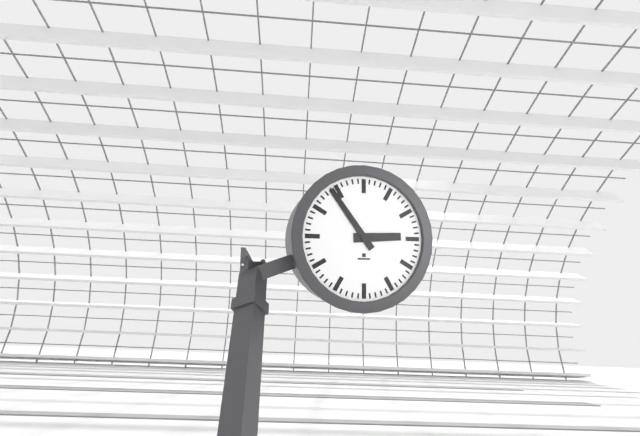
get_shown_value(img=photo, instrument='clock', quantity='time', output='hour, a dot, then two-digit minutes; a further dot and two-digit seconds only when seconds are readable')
2.54
